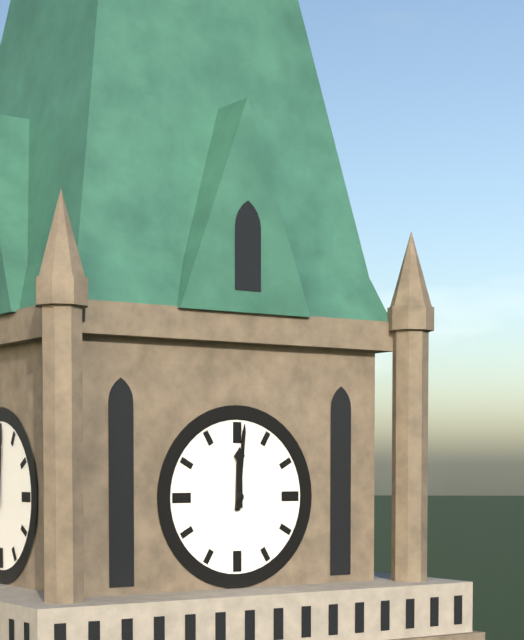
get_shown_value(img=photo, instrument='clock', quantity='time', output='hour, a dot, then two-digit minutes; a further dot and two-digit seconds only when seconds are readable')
12.01
